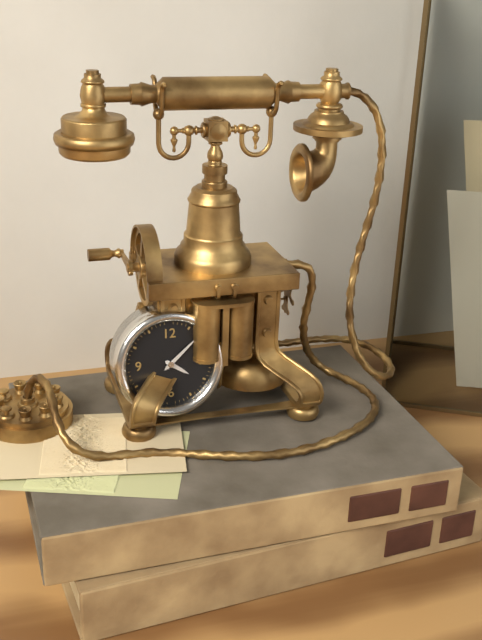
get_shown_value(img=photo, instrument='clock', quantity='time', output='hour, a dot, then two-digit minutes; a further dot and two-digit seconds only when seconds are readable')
4.08
